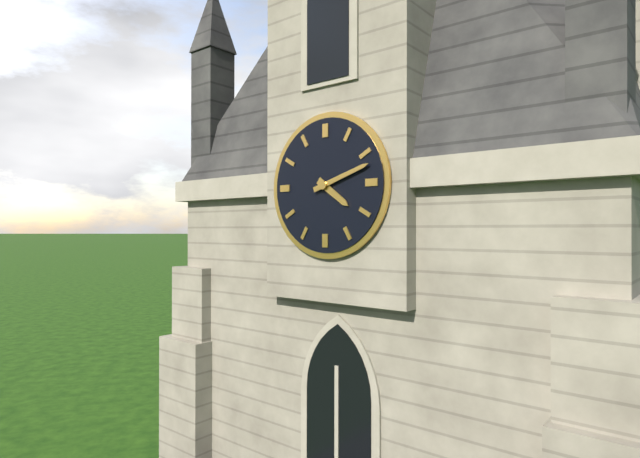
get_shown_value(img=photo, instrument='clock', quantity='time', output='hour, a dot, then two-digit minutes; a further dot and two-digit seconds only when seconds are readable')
4.12
